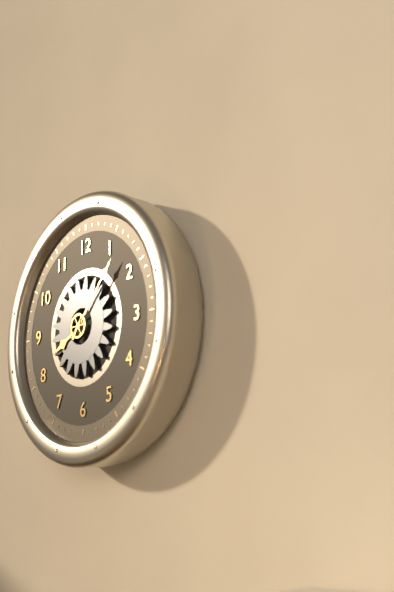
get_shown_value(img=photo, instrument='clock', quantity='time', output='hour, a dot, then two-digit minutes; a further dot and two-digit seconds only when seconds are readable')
8.07
